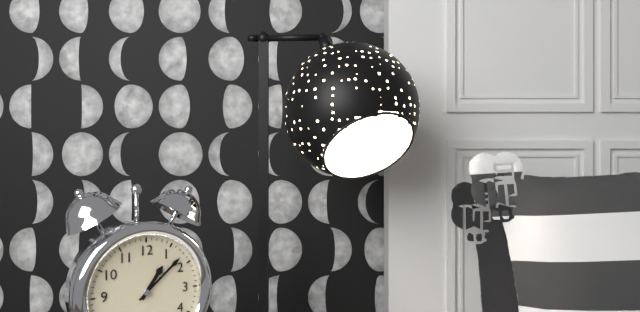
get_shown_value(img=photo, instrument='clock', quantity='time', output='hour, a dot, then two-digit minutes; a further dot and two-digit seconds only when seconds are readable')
1.08
